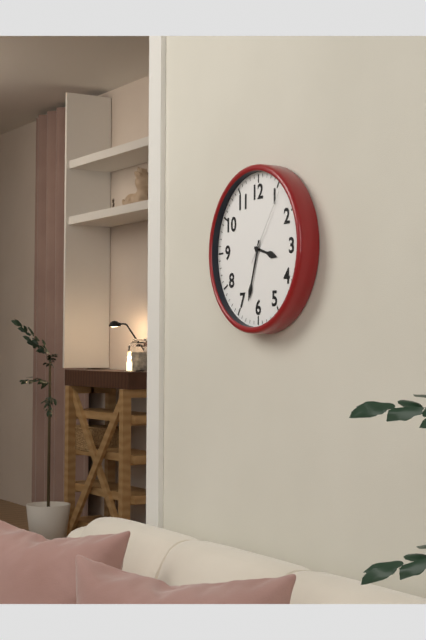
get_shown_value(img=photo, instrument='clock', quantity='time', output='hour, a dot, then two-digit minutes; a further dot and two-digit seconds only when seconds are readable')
3.33.06
